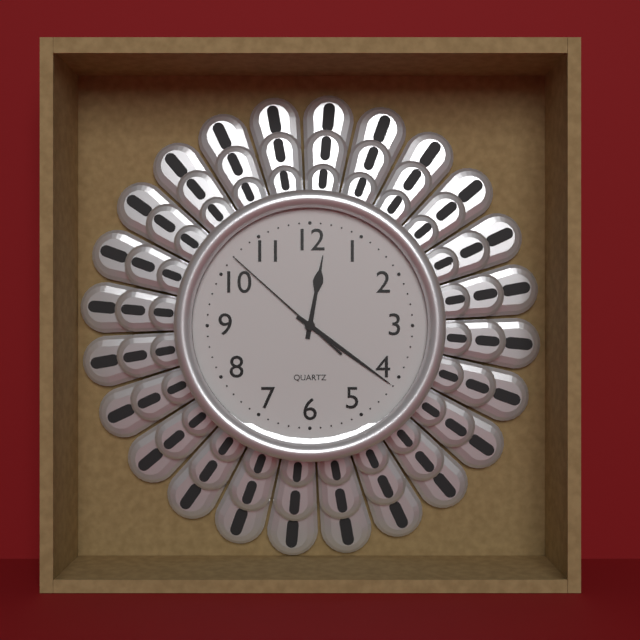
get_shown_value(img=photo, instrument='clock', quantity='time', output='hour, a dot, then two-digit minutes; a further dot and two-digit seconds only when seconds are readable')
12.21.52
